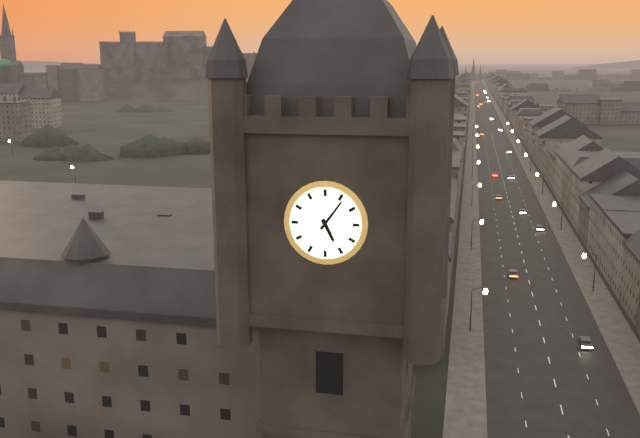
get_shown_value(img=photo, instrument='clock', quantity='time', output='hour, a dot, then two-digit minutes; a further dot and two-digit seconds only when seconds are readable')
5.06
